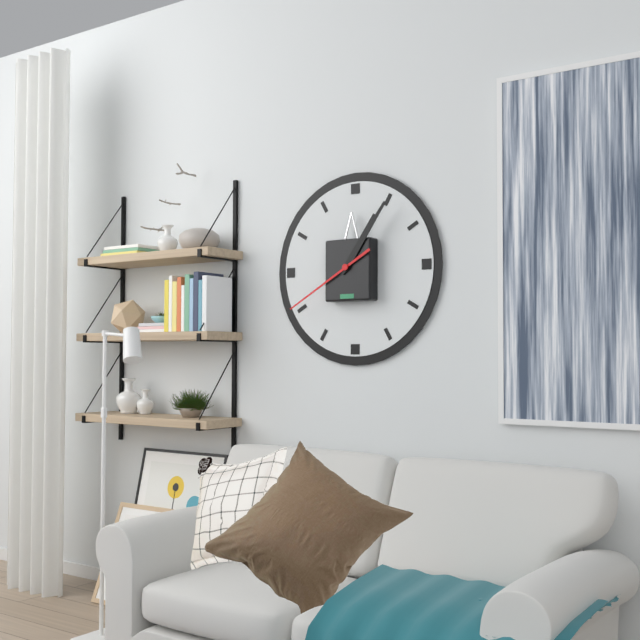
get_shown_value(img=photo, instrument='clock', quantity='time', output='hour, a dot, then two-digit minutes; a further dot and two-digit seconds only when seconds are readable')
1.06.40
